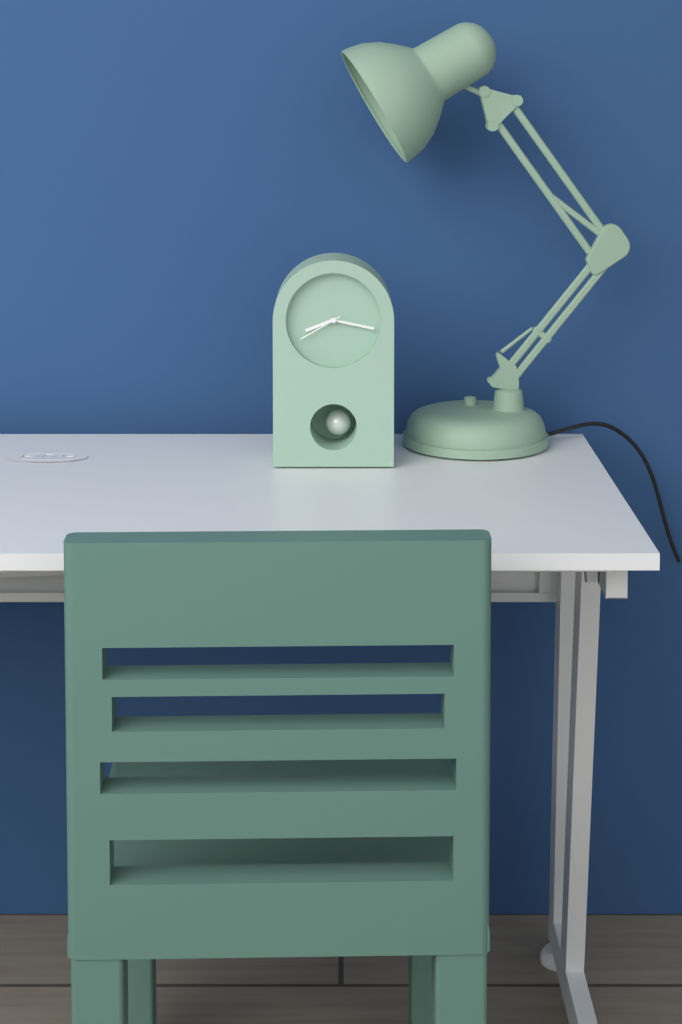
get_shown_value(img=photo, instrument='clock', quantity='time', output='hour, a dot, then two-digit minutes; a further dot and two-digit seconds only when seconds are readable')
8.17
